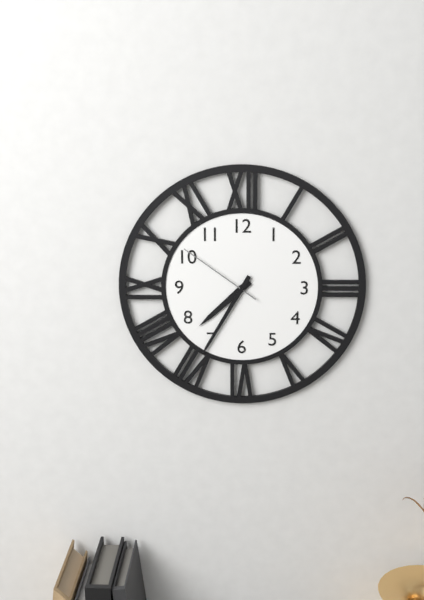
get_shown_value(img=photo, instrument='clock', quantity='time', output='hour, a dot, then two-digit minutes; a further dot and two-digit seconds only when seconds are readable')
7.35.51
